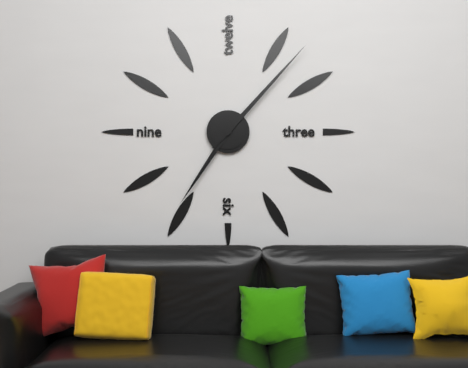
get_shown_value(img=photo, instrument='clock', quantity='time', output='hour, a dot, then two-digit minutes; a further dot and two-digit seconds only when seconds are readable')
7.07
